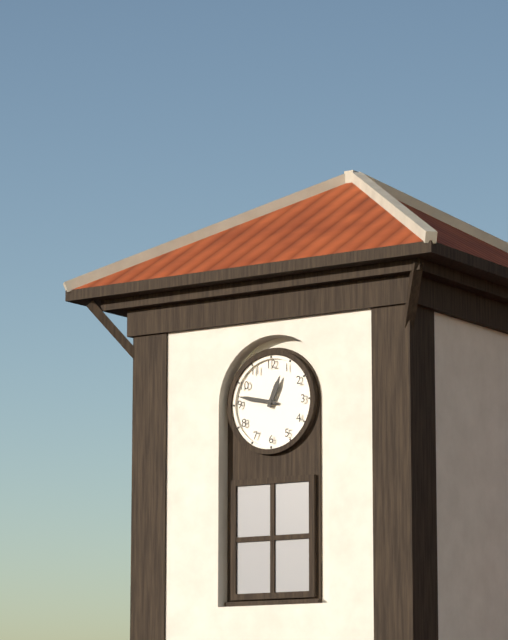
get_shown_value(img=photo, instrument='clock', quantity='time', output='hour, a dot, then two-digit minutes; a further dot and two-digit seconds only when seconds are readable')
12.47
